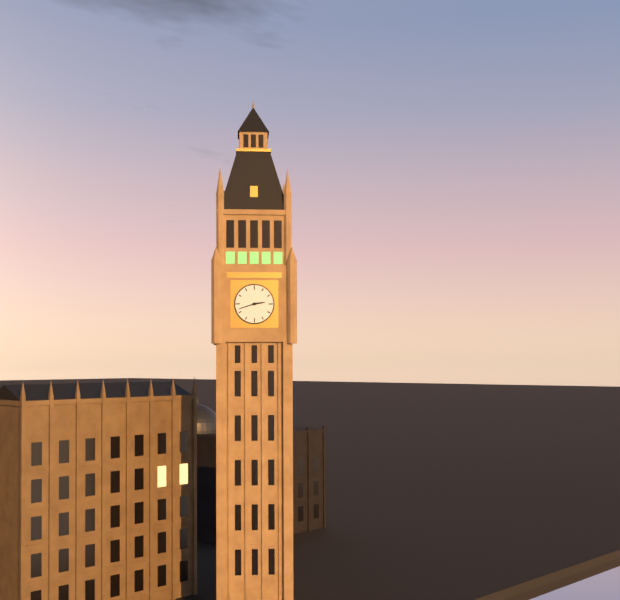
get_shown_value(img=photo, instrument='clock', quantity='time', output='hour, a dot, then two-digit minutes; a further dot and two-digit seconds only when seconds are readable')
2.42
